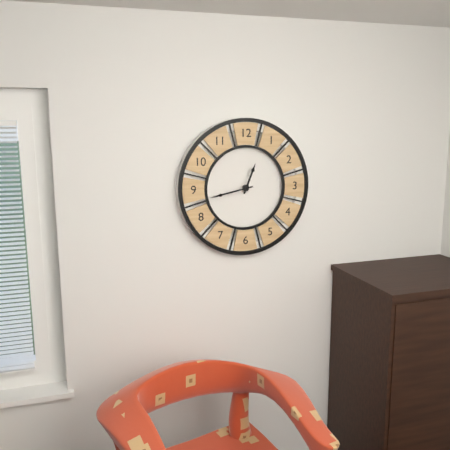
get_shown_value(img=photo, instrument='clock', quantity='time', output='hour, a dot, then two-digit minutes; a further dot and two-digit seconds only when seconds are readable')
12.43
